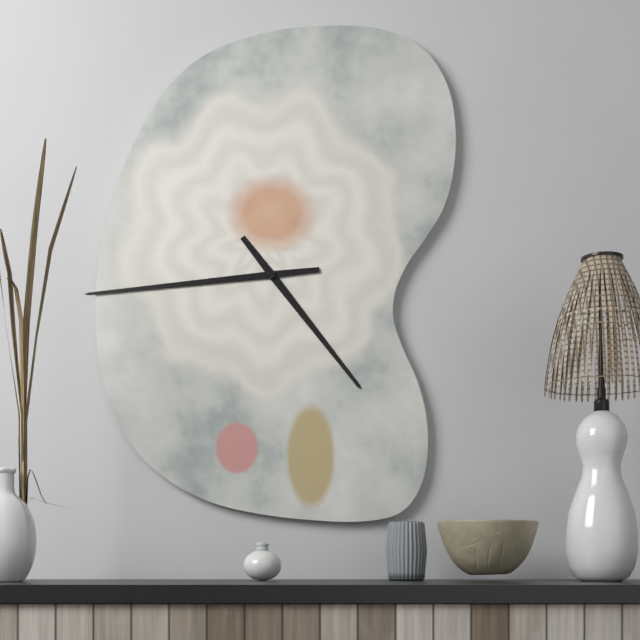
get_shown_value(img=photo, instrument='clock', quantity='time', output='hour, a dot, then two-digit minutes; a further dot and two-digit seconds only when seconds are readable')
4.44
